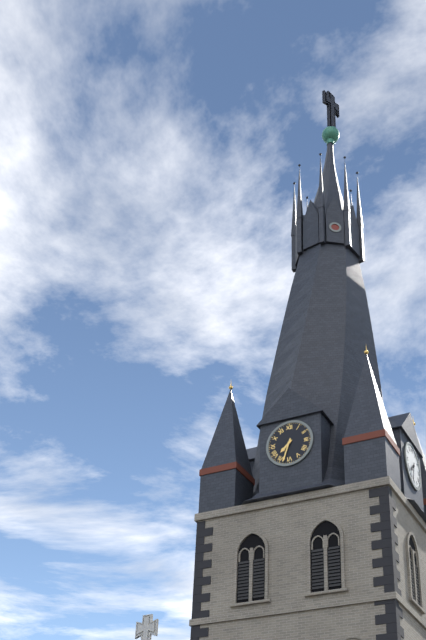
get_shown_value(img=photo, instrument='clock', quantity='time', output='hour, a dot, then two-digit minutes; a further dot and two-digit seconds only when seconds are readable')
7.33
